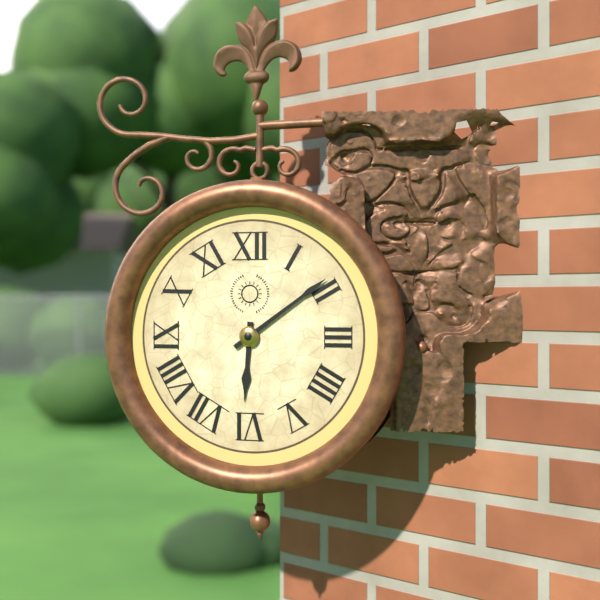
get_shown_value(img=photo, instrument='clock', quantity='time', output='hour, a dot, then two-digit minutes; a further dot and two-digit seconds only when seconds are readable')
6.09
